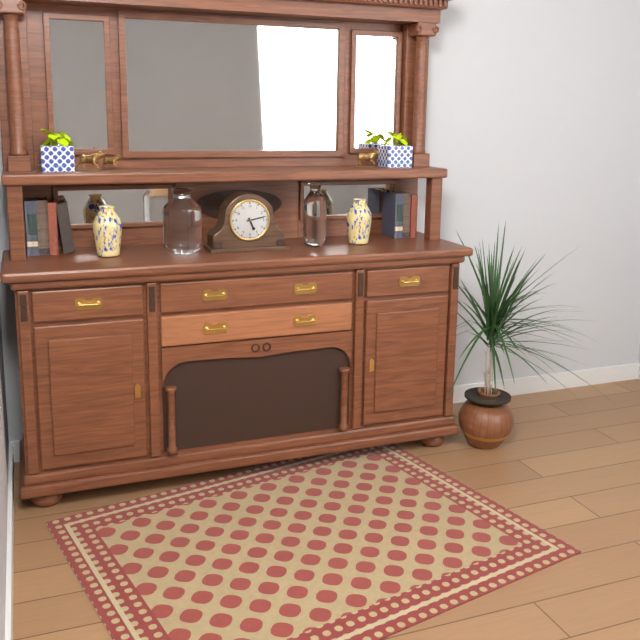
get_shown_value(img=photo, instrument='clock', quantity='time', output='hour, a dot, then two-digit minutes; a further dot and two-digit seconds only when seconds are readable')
5.13
